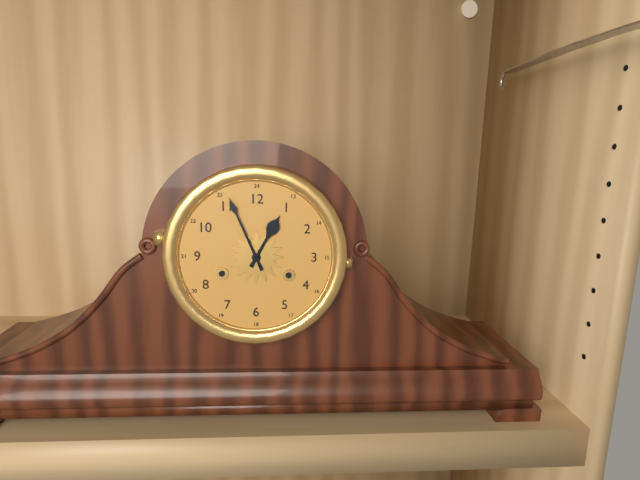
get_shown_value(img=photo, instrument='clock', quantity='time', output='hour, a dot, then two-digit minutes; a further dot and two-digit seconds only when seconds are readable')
12.56
